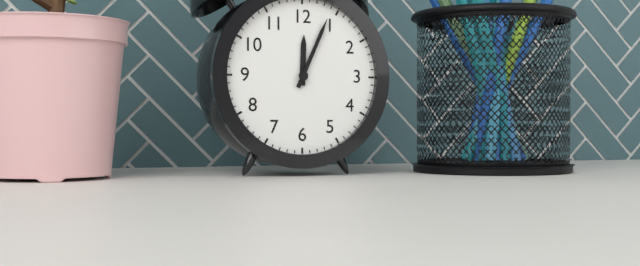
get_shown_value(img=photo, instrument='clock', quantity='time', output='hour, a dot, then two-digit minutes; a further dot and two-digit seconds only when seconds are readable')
12.04
